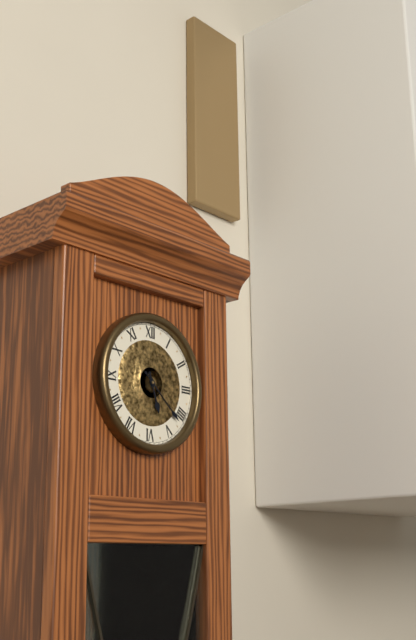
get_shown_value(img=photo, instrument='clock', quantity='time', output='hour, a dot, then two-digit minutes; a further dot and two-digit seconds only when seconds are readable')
5.22
